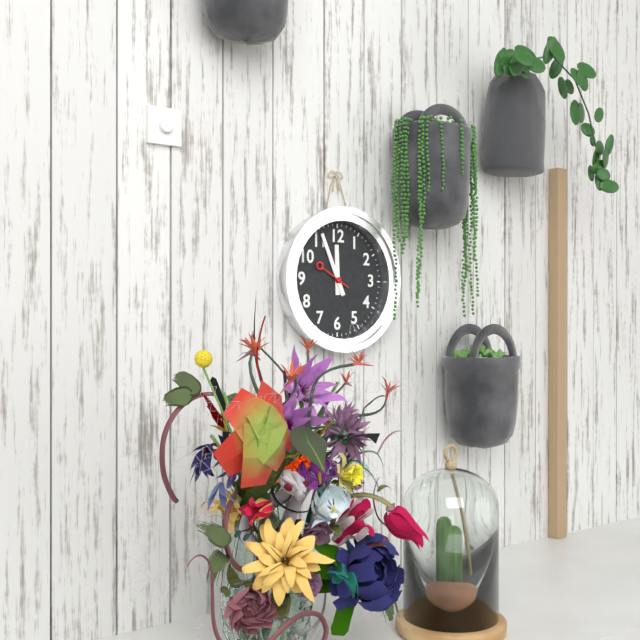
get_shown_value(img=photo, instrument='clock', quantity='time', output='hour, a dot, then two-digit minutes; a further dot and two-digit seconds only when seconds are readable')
11.56
